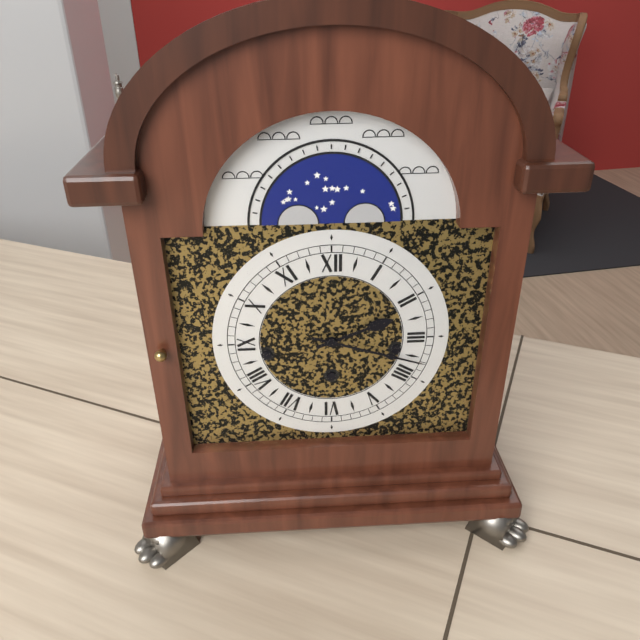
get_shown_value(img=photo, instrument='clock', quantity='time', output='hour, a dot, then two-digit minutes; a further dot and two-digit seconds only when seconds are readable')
2.18
